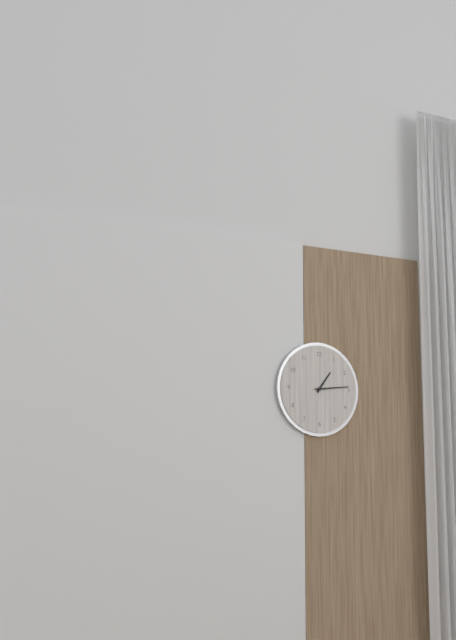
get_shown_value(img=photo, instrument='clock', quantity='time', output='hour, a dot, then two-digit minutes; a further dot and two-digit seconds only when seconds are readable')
1.14
